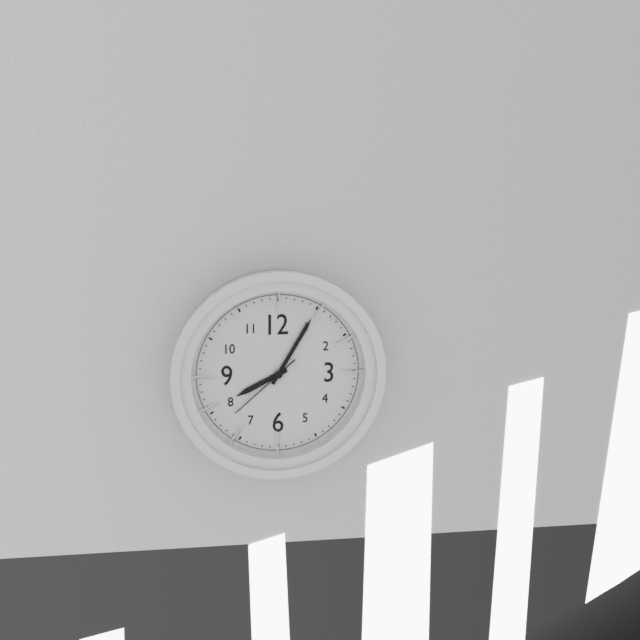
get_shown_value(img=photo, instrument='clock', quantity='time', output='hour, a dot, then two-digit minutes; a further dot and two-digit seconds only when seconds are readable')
8.05.38
